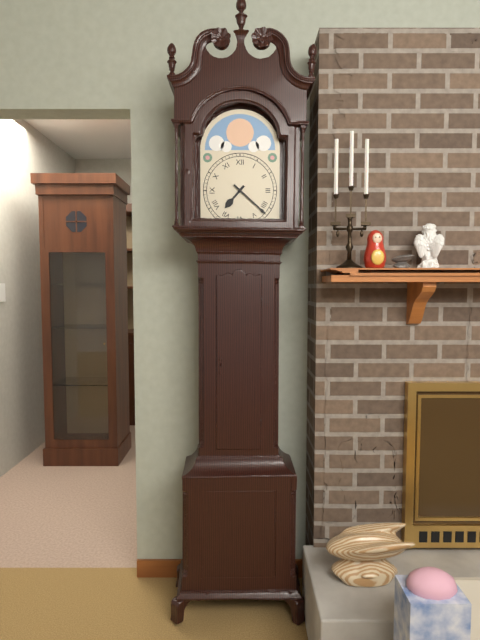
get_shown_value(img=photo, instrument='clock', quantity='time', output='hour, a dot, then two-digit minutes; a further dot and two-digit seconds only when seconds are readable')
7.22
